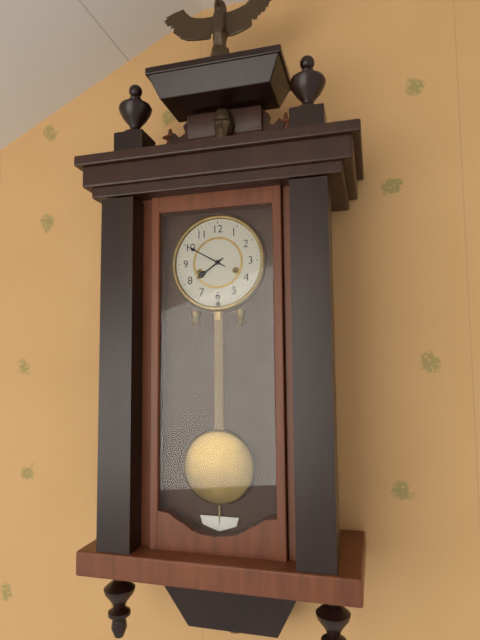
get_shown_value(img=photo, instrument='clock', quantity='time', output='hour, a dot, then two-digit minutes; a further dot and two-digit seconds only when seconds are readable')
7.50
